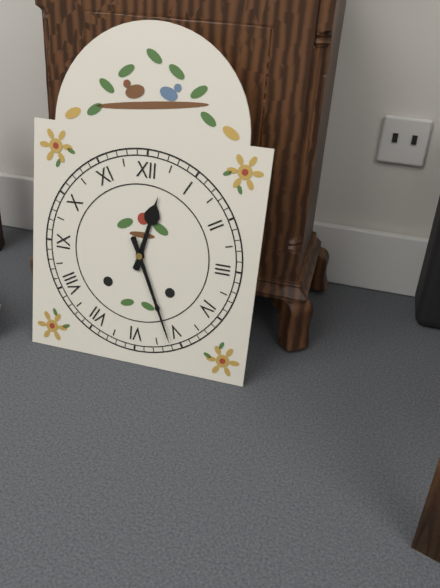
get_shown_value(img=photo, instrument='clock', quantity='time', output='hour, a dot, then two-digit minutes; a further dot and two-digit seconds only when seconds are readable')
12.26
